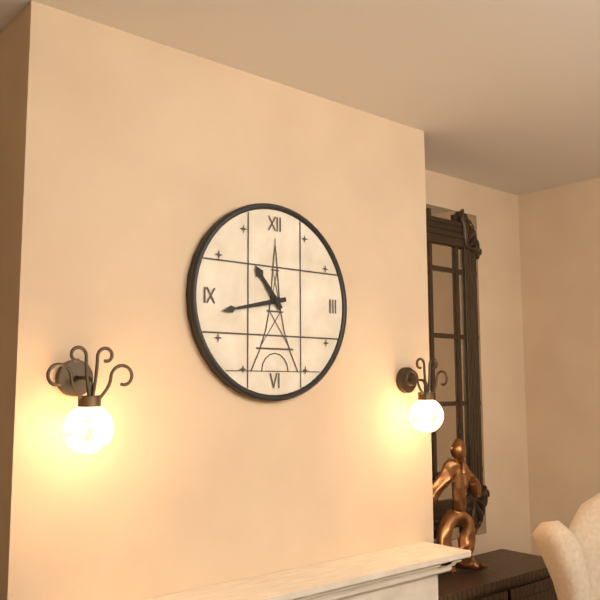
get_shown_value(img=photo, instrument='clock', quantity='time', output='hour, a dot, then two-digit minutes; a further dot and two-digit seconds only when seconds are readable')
10.43
